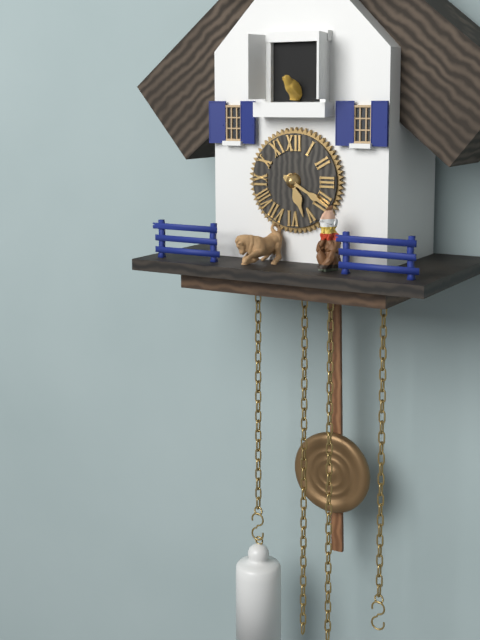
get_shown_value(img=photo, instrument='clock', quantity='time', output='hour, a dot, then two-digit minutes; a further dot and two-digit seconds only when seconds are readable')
5.20
